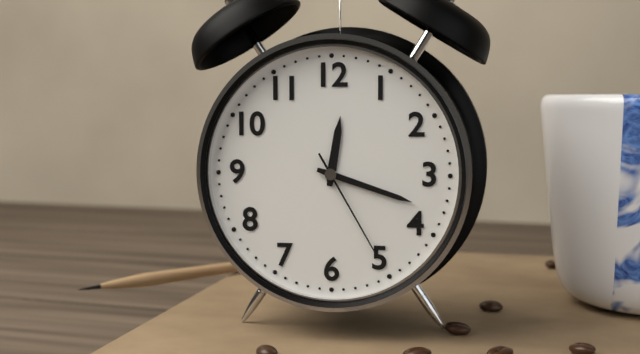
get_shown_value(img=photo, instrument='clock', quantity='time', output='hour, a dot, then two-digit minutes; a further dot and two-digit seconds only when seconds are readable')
12.18.25
